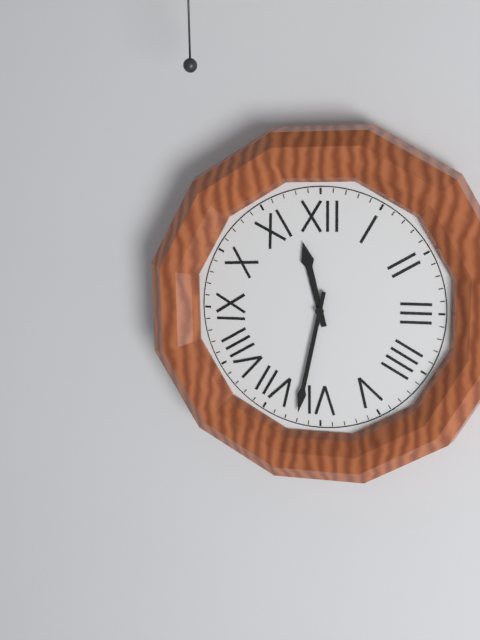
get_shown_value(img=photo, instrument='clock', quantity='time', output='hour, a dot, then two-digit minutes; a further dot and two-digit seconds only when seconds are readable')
11.32
